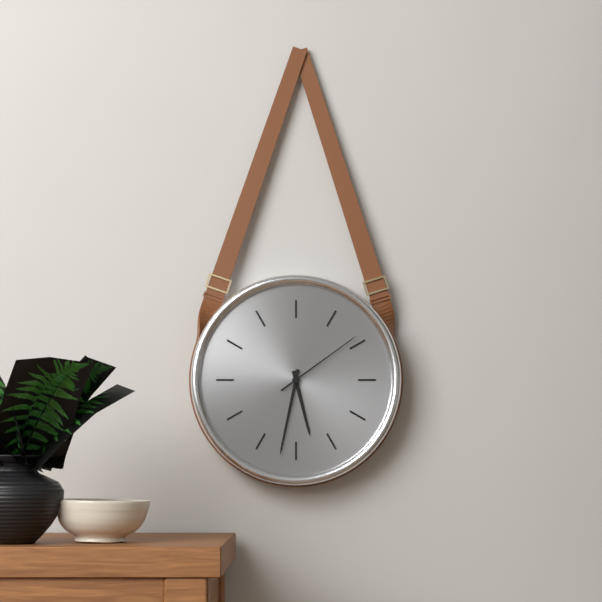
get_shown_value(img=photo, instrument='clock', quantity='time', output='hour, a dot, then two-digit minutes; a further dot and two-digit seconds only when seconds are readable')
5.32.09
